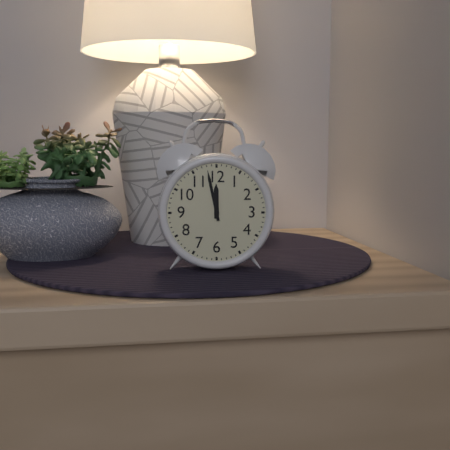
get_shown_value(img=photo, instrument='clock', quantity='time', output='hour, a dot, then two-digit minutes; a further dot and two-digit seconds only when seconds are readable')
11.58
